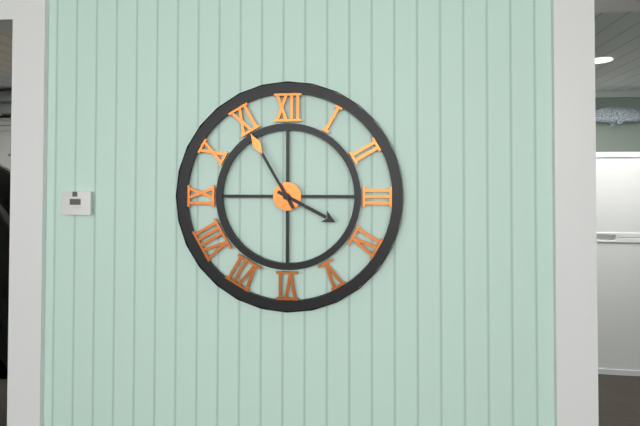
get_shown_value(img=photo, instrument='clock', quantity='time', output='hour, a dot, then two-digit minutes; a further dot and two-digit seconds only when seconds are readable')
3.55
